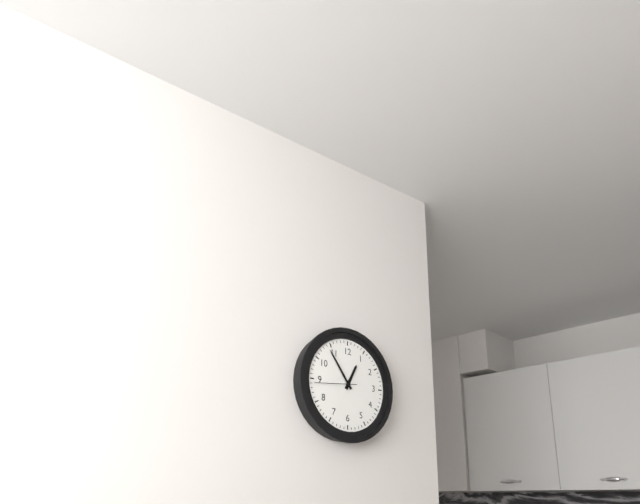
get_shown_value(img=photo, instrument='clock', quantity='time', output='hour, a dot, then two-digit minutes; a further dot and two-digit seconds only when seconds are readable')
12.54
